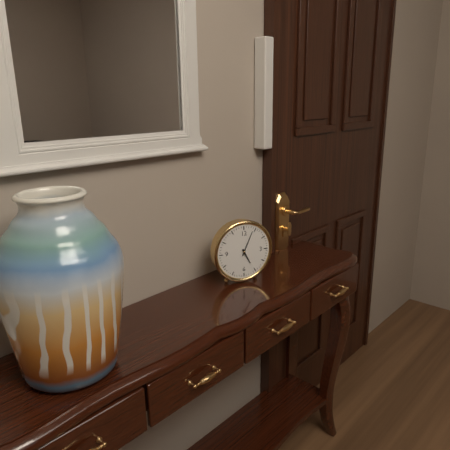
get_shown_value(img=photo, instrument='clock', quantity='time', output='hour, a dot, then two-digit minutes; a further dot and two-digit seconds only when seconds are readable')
5.04
